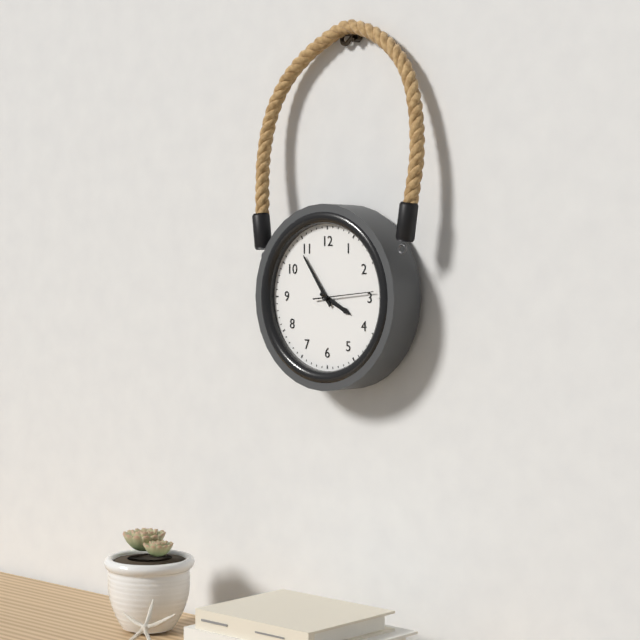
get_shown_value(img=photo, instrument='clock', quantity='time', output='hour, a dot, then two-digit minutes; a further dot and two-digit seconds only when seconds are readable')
3.54.14
